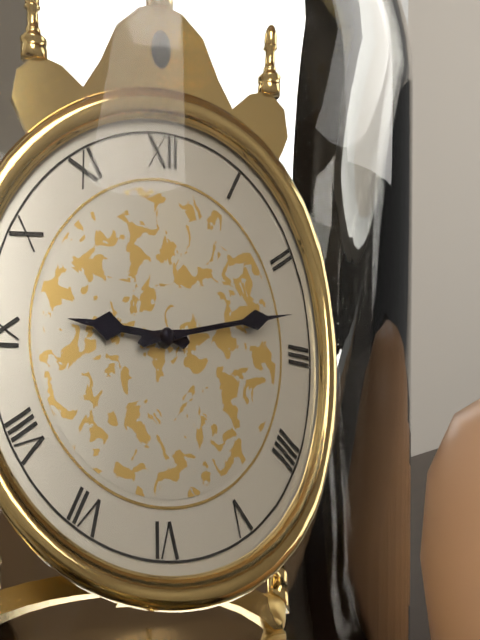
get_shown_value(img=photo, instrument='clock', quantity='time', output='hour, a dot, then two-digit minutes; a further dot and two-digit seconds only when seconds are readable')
9.13
